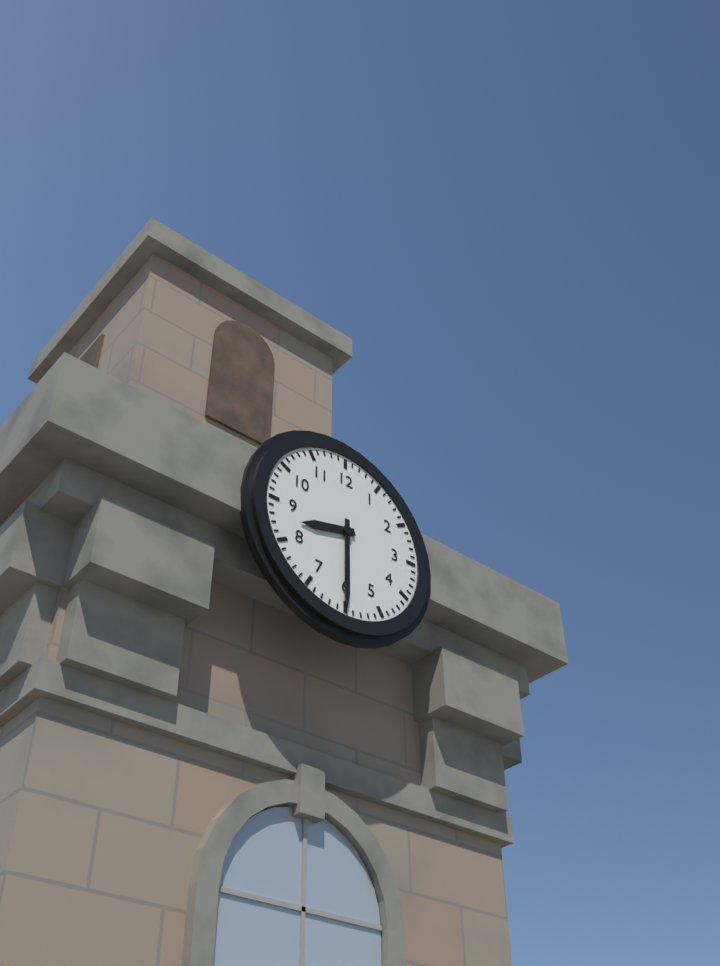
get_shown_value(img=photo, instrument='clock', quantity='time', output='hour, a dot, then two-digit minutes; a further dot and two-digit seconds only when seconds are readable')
8.30
